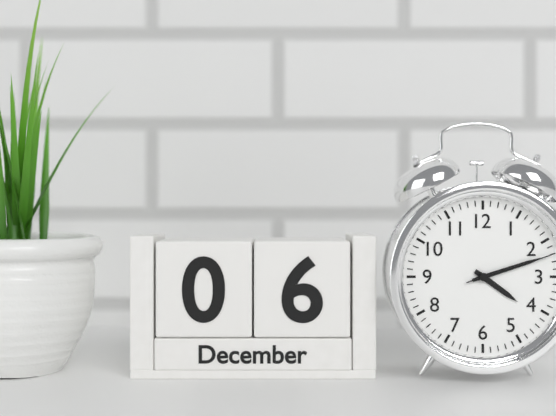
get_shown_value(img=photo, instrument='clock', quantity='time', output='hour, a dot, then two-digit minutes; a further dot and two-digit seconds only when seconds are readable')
4.12.12
